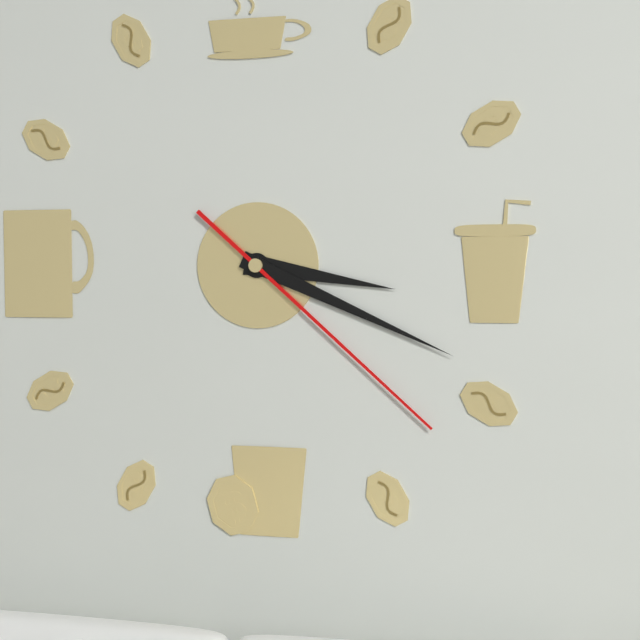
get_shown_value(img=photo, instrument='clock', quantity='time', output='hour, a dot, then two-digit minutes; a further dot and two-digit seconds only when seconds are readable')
3.19.22
